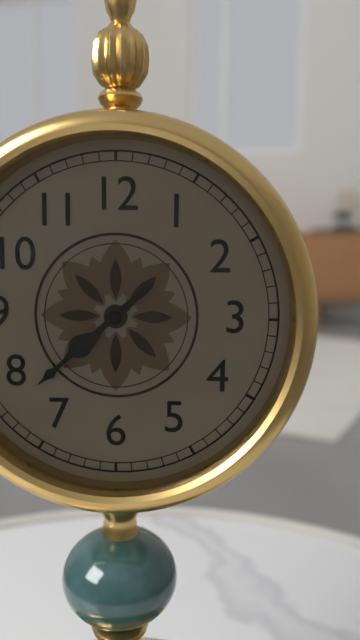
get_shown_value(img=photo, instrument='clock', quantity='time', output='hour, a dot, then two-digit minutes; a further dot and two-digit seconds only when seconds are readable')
7.38
